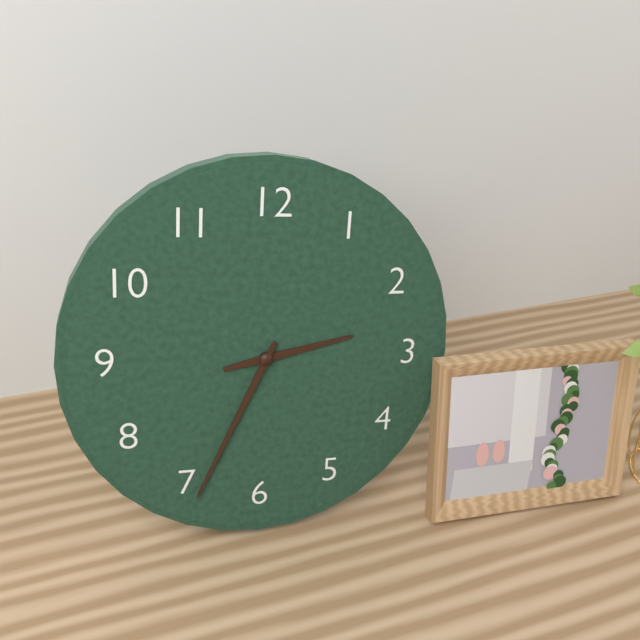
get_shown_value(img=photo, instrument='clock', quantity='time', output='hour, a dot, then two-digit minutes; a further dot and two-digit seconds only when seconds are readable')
2.34
